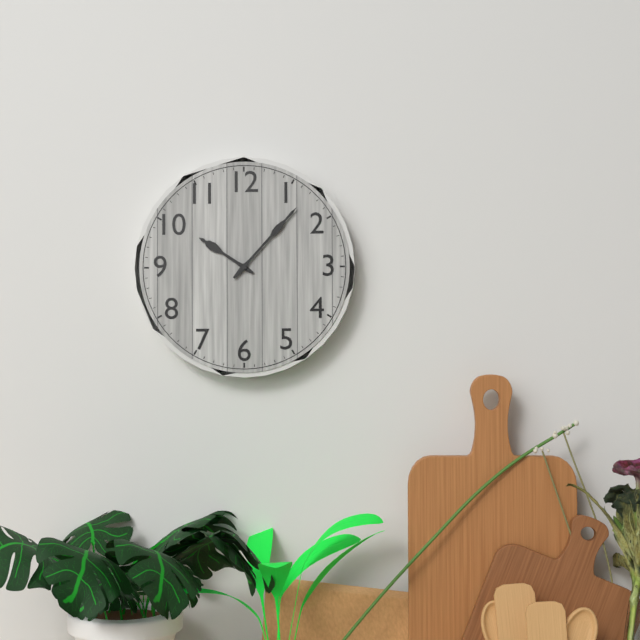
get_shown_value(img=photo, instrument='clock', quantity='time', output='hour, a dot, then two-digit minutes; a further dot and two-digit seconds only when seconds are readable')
10.07
